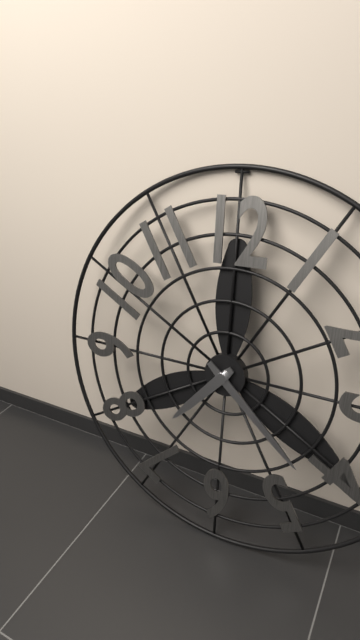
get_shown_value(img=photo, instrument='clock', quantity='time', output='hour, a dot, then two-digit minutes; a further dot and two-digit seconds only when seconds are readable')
7.22
